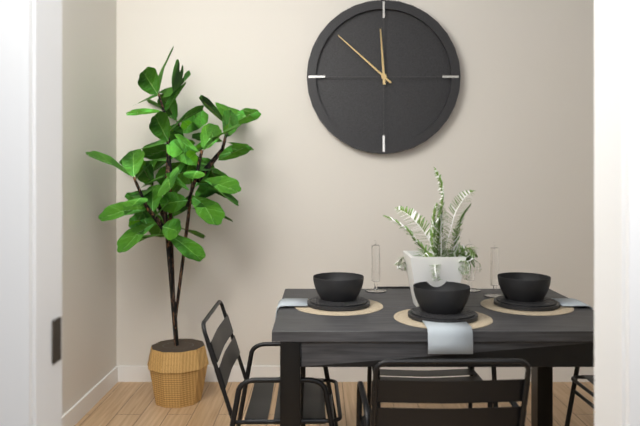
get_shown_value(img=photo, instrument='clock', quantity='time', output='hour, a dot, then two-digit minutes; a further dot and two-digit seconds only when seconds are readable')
11.52
